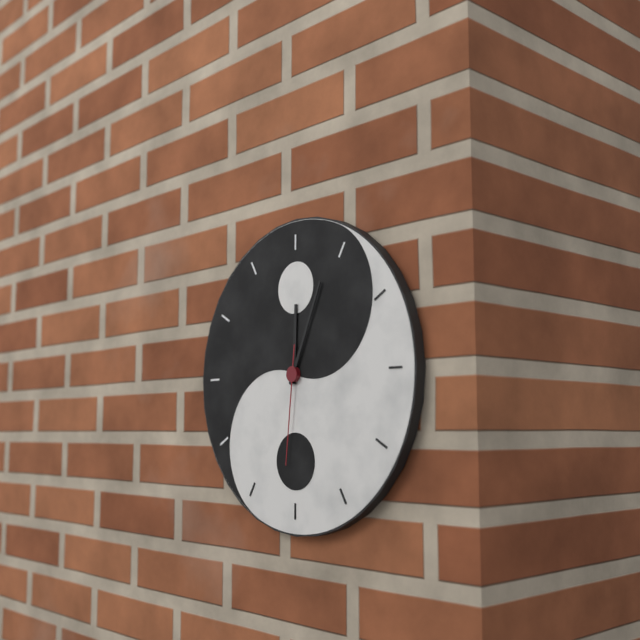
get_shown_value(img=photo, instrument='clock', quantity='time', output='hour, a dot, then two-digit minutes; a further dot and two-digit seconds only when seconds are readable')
12.04.31
